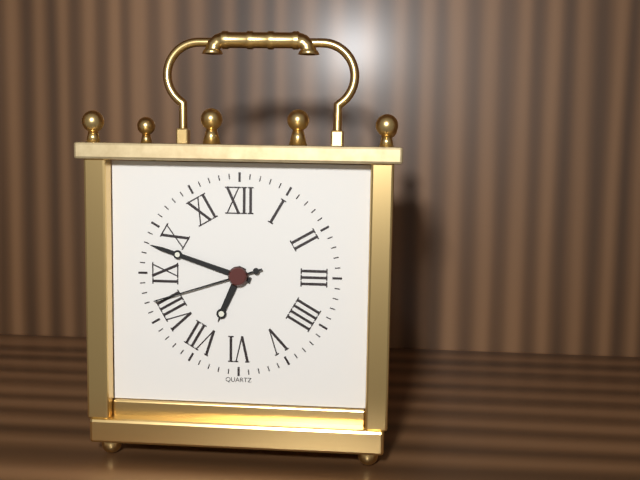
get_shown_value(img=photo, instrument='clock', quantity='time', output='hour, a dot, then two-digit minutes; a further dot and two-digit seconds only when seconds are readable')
6.48.42
